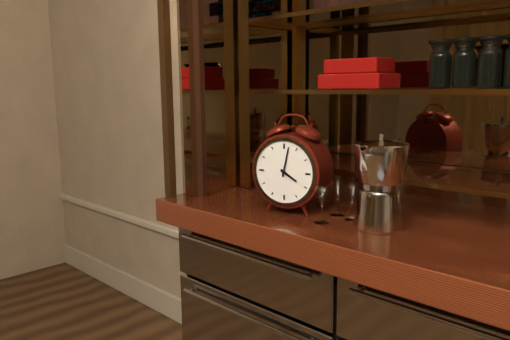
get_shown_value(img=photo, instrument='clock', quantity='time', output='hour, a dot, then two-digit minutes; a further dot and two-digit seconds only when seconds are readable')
4.02
